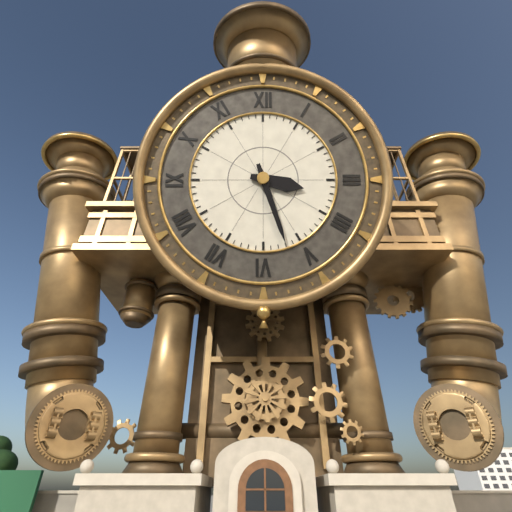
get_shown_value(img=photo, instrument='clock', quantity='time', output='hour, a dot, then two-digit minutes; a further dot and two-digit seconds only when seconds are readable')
3.27
